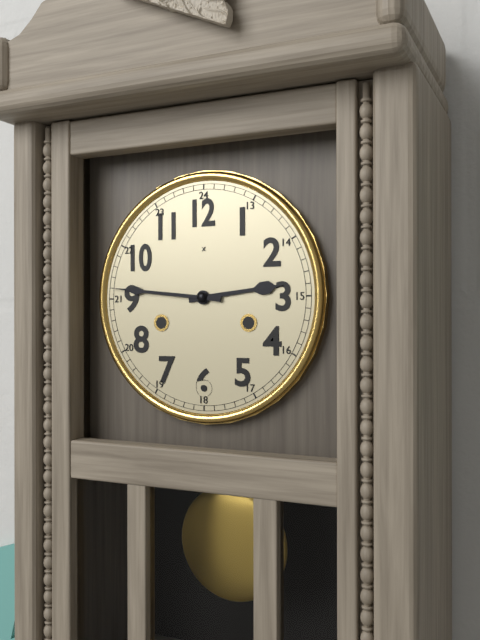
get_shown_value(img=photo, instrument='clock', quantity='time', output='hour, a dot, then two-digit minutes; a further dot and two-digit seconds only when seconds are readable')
2.46
